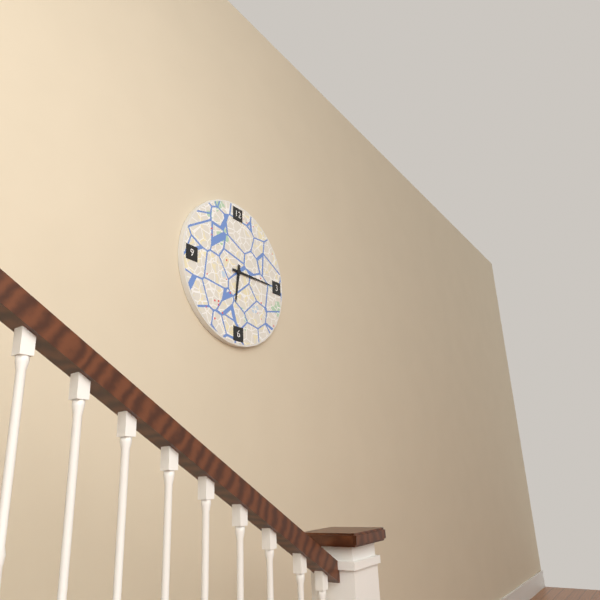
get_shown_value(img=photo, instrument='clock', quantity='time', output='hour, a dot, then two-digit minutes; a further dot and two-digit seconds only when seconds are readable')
6.15
